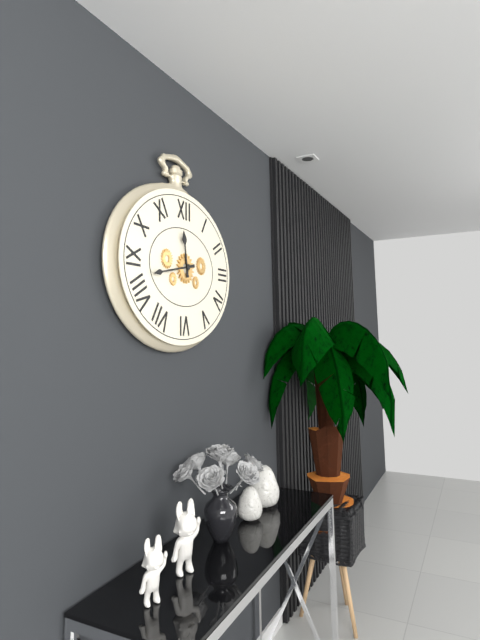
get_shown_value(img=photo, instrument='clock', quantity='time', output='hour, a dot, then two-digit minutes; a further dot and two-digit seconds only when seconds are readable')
11.43
